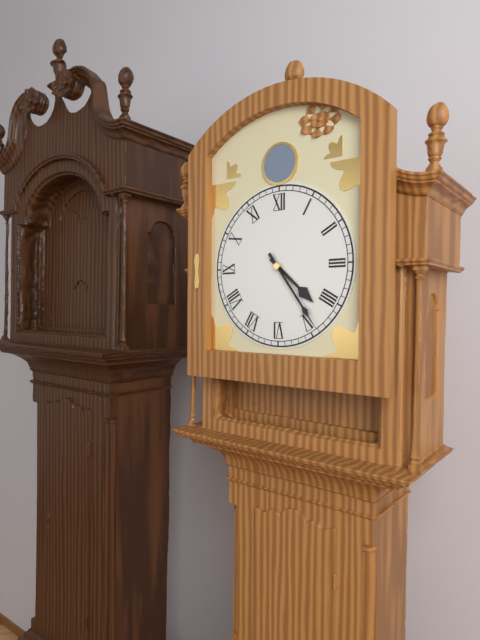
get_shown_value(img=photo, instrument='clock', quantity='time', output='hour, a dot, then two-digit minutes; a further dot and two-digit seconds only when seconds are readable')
4.24
